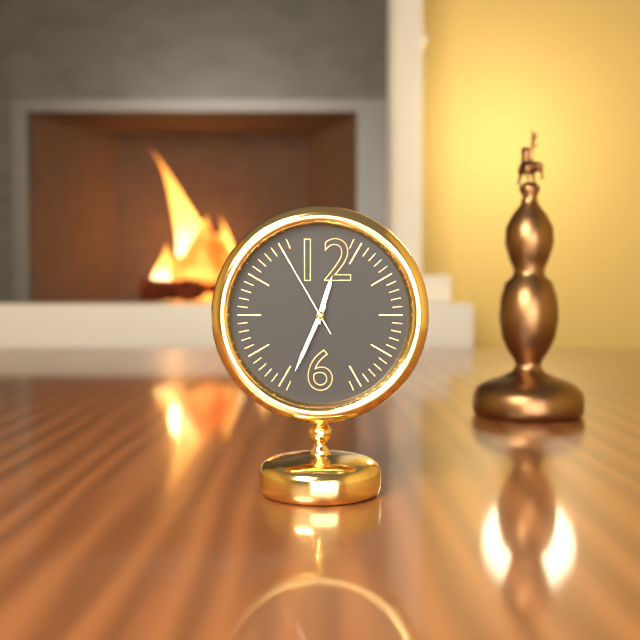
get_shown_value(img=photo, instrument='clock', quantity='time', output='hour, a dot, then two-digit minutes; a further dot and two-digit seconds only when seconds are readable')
12.34.55
